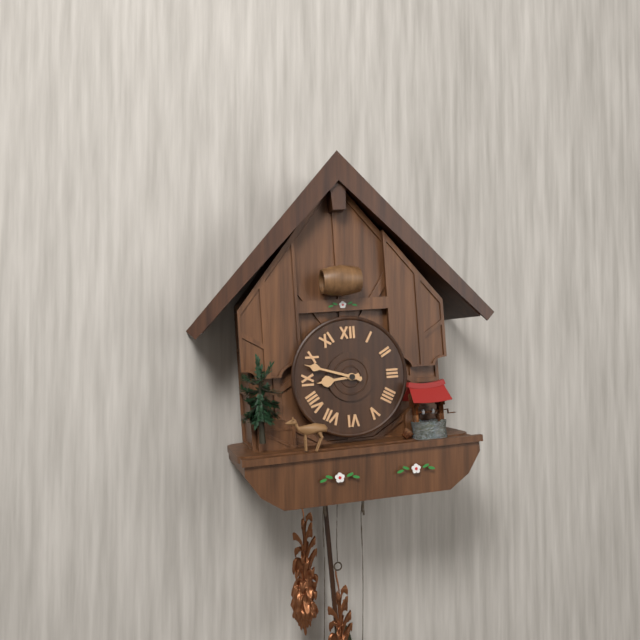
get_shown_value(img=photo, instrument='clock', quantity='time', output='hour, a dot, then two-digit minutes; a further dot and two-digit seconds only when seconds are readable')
8.48
